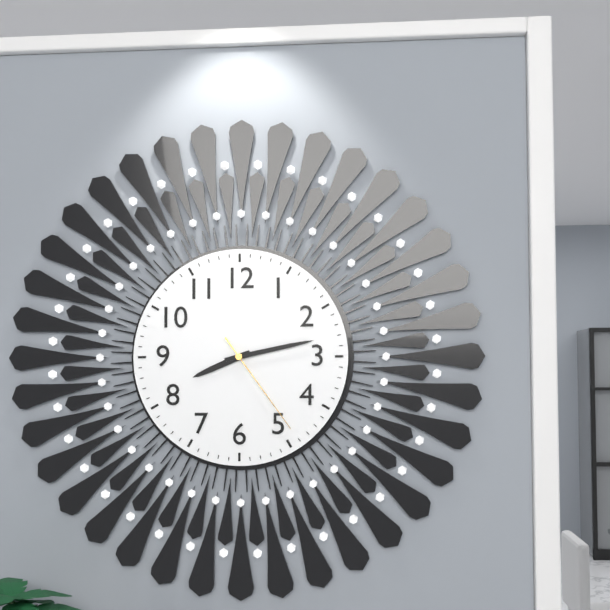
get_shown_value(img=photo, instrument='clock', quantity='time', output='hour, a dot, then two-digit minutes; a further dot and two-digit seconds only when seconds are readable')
8.13.24
